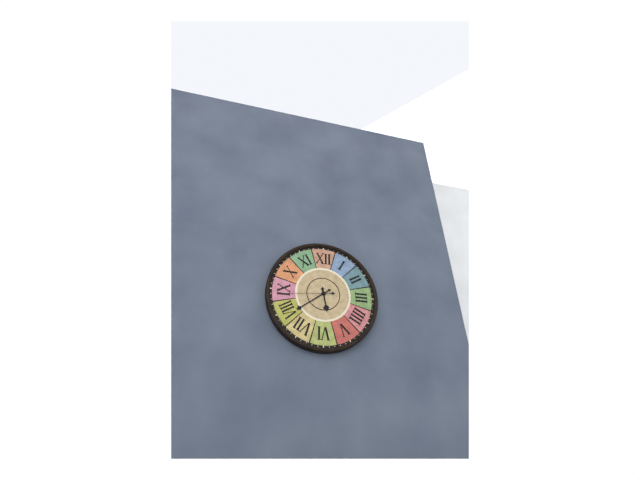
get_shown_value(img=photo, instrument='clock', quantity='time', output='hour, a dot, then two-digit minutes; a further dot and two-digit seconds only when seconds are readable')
5.39
